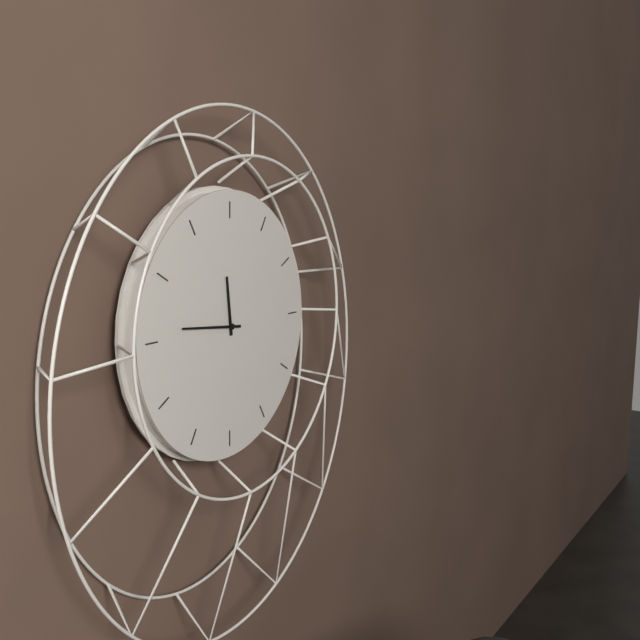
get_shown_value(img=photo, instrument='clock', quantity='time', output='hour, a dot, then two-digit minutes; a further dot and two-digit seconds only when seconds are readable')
11.46
